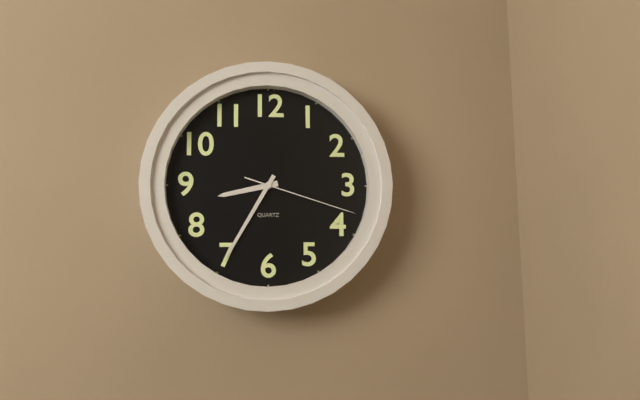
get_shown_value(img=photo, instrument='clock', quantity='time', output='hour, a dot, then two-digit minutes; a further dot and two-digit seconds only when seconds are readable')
8.35.18
